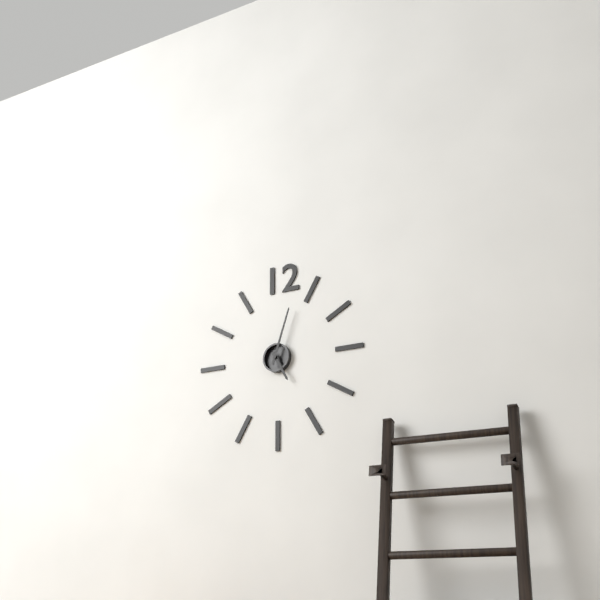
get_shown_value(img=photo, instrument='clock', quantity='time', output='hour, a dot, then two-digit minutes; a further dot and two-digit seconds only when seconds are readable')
5.03
